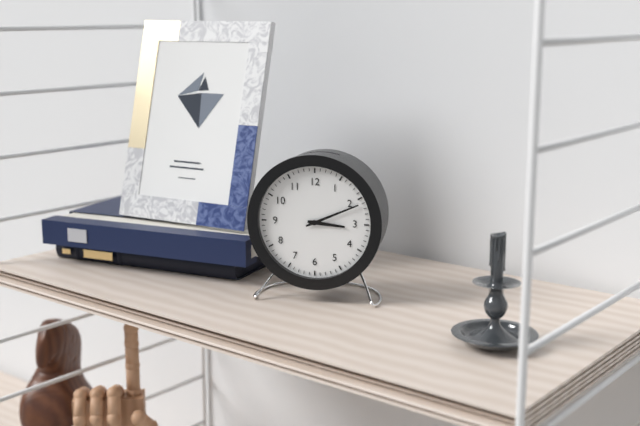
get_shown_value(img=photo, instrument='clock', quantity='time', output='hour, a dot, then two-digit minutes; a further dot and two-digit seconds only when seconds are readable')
3.11
